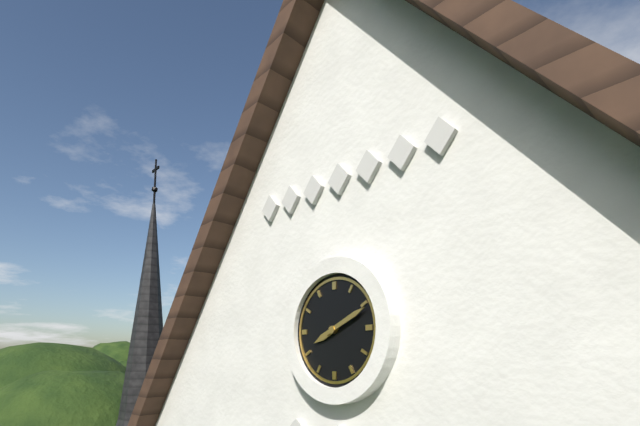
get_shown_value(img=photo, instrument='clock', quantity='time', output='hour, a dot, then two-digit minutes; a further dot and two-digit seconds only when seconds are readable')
8.11
